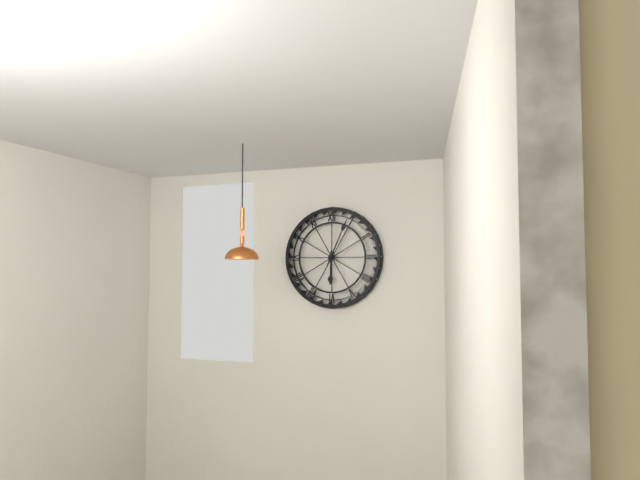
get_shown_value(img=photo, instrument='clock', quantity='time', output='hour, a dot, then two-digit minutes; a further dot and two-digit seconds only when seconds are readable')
6.04
